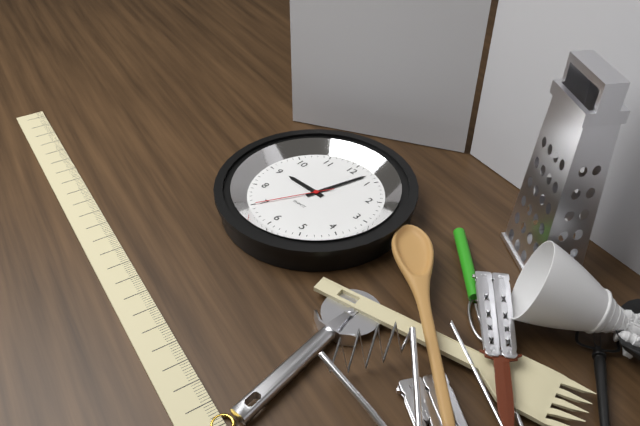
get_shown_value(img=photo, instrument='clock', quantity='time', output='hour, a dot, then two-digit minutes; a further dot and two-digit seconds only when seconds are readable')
9.03.35
